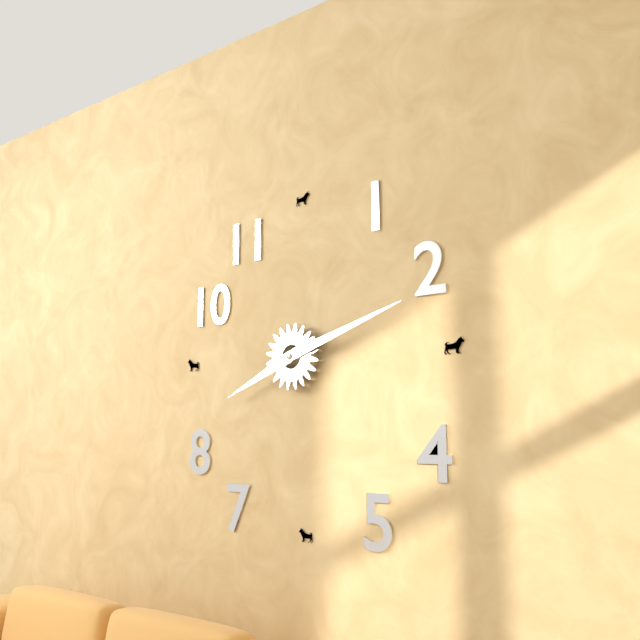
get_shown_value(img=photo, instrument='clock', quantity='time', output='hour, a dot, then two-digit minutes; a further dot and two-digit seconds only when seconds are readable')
8.12
